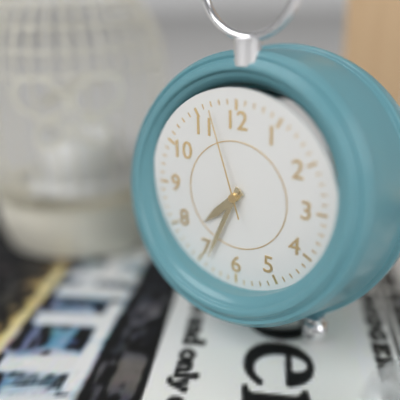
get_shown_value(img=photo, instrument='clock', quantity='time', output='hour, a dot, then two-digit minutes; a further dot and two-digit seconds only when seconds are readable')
7.34.57
